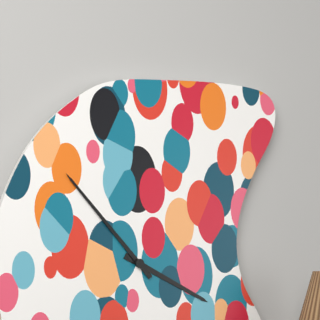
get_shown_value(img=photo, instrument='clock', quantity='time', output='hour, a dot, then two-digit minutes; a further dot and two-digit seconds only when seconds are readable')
3.53
